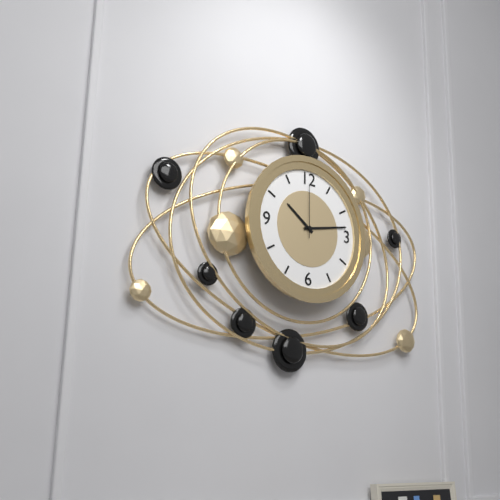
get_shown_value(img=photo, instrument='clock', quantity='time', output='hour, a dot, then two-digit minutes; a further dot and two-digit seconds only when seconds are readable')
10.13.00
